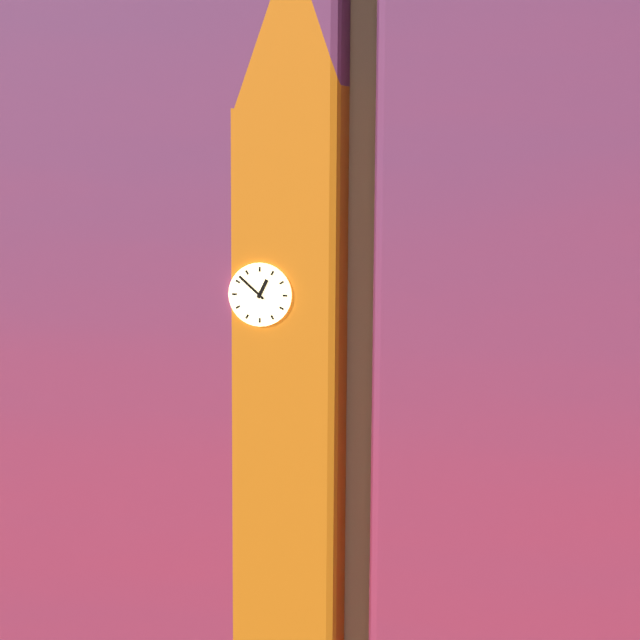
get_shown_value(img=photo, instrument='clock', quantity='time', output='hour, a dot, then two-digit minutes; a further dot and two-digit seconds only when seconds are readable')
12.52
